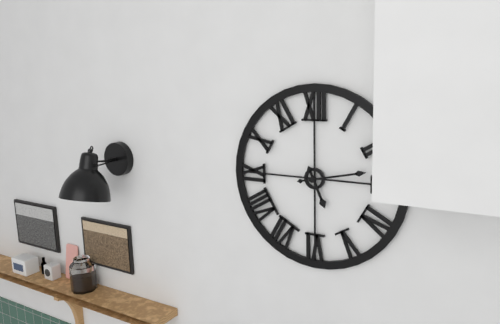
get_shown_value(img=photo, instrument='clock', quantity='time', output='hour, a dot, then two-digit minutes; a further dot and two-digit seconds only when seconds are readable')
5.13
